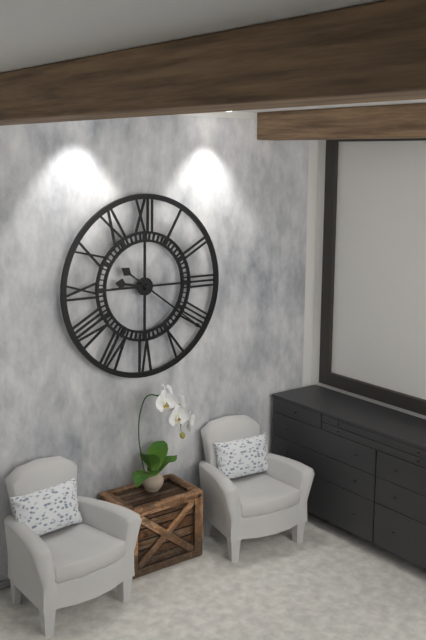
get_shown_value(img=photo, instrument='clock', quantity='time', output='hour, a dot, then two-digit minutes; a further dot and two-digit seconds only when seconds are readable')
9.21
